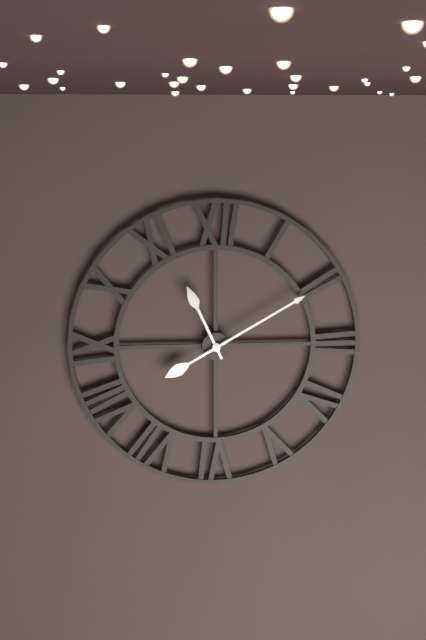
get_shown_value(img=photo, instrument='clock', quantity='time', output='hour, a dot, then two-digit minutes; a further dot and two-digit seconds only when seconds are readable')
11.10
